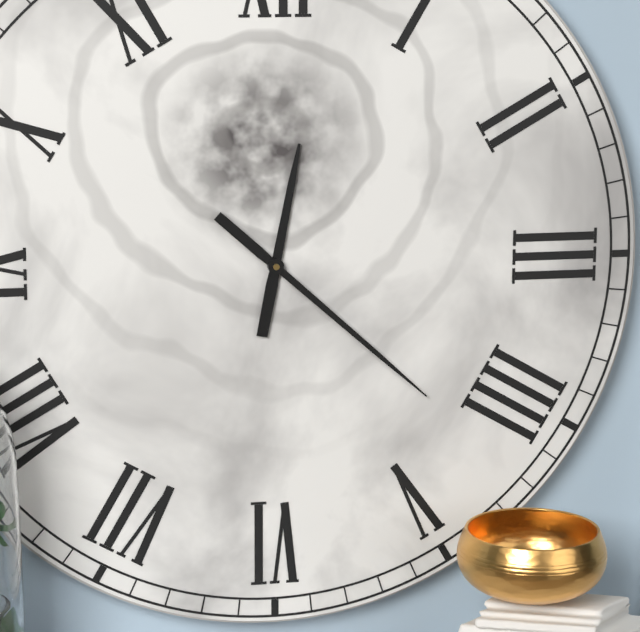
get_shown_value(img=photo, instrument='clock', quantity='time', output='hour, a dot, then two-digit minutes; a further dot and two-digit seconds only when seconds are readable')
12.22
